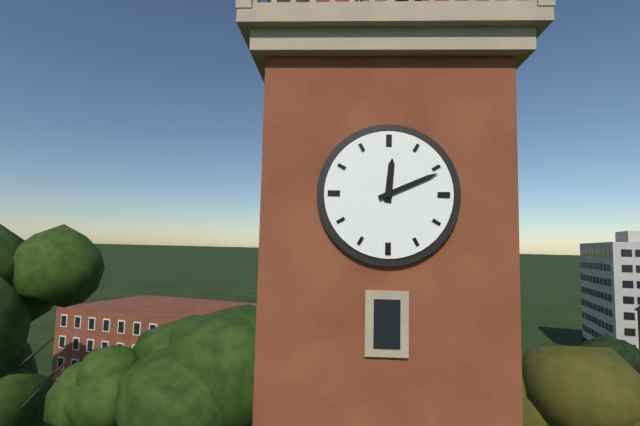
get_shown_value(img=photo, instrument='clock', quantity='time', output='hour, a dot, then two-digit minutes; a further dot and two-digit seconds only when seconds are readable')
12.11
